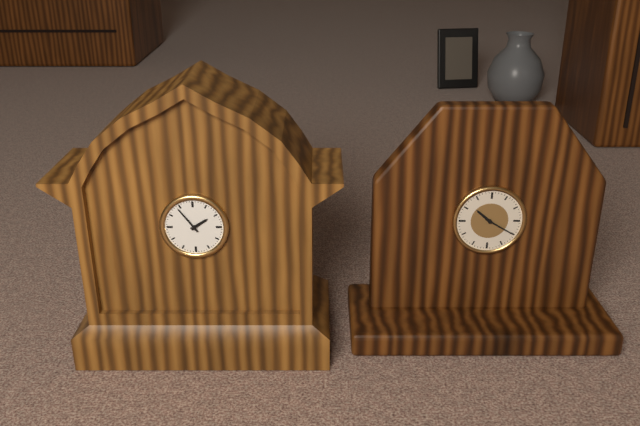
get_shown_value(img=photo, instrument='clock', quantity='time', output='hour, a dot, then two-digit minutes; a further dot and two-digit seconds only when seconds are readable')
1.54
